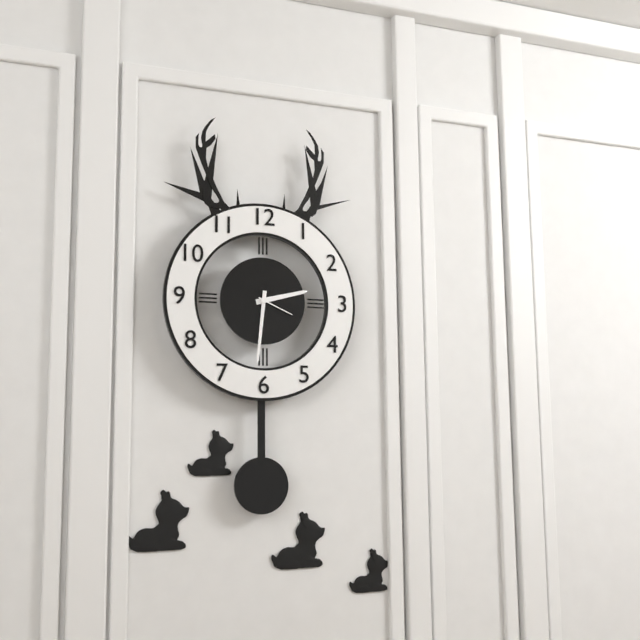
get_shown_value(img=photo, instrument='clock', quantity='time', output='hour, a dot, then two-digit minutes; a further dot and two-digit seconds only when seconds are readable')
2.31
